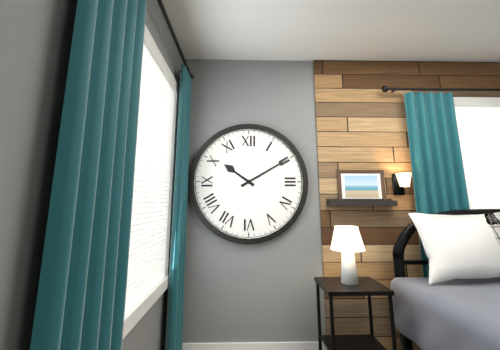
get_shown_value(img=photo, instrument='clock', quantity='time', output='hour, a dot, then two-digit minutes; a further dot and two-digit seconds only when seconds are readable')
10.10
